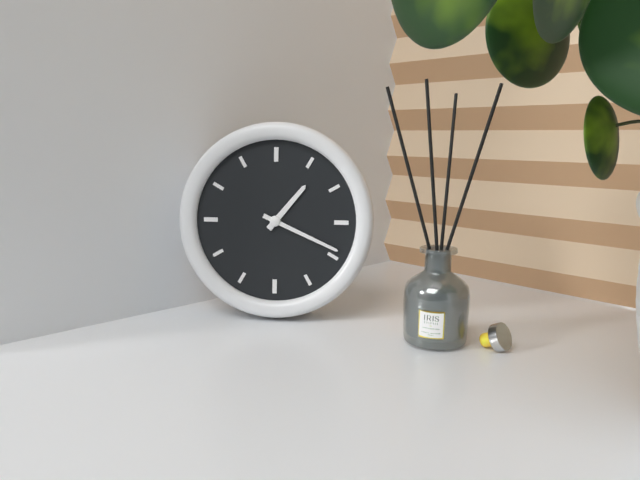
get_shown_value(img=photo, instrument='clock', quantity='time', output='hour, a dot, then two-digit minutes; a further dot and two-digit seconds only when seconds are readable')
1.19
